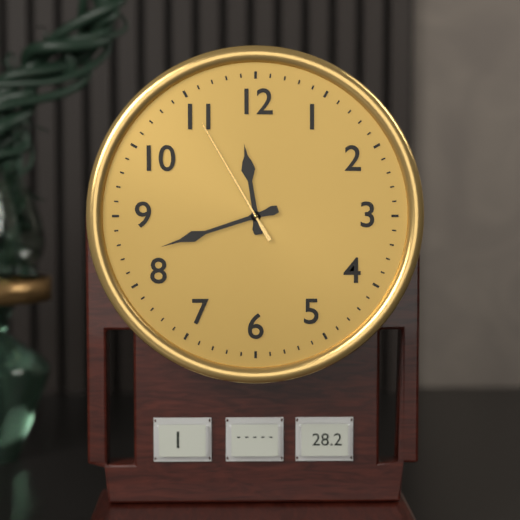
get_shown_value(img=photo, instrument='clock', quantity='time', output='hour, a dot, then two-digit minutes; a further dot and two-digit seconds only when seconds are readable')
11.42.55
